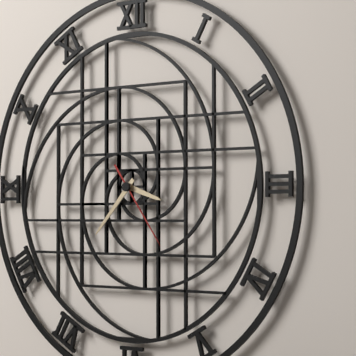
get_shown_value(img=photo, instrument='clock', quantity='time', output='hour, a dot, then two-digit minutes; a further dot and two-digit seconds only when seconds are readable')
3.37.24
